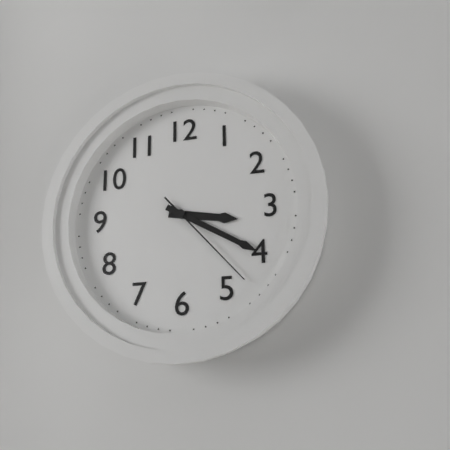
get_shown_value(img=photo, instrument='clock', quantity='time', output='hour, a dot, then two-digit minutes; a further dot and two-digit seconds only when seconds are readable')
3.20.23
